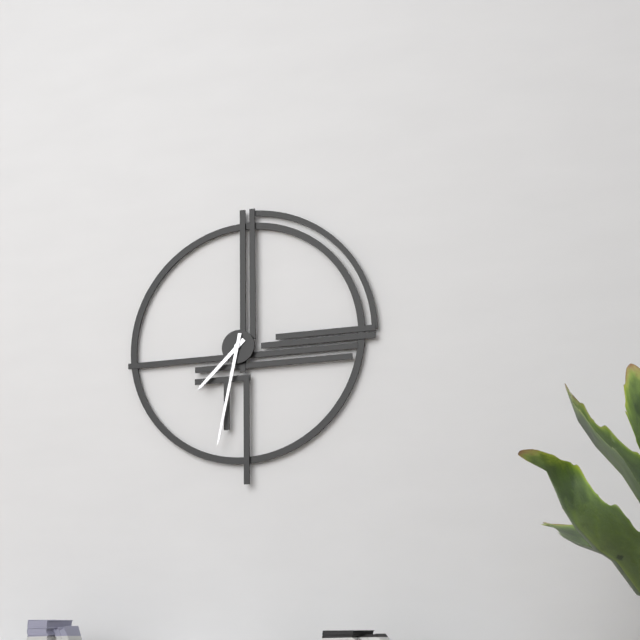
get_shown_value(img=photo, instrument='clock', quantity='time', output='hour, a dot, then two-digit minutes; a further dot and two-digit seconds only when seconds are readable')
7.32
